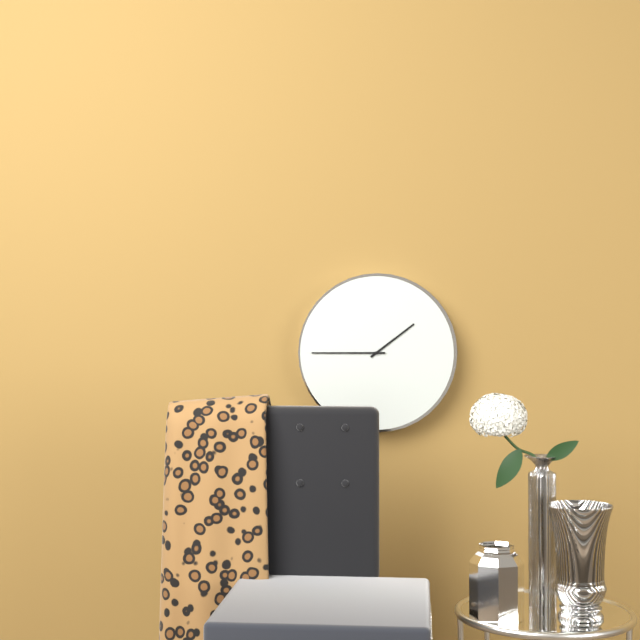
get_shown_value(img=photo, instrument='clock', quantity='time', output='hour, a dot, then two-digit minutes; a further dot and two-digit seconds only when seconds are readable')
1.45
